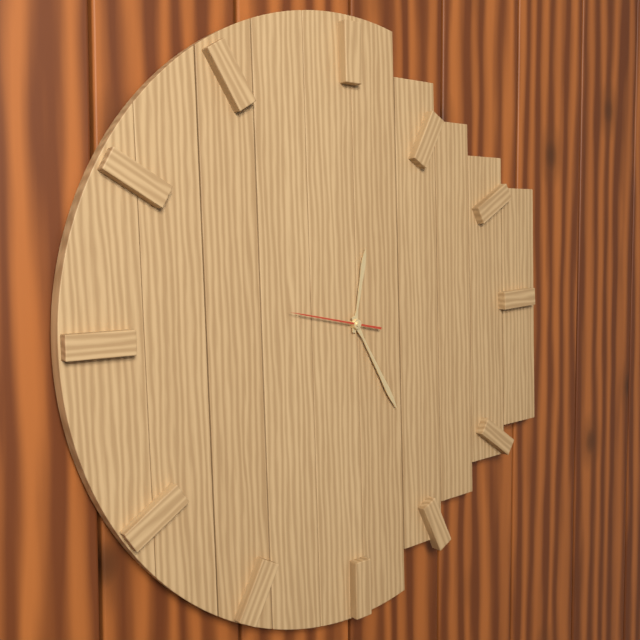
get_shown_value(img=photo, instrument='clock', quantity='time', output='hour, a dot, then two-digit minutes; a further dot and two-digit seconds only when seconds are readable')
12.25.47
